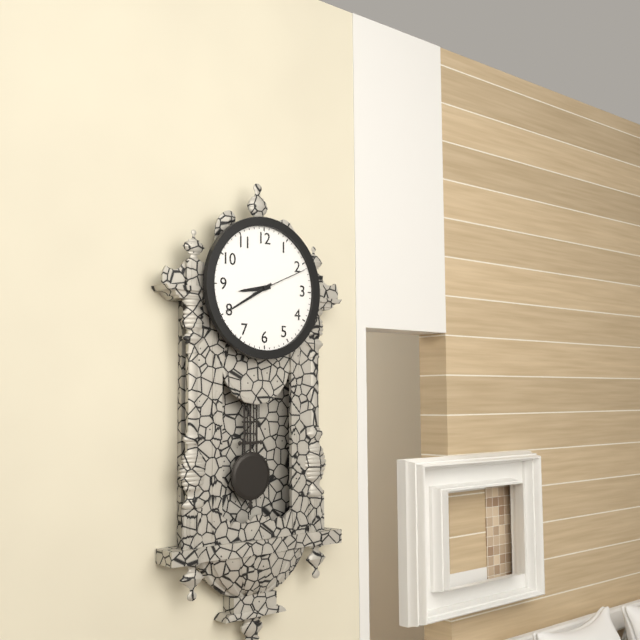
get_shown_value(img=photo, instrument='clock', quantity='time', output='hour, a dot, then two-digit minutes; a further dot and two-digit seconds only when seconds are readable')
8.40.11
